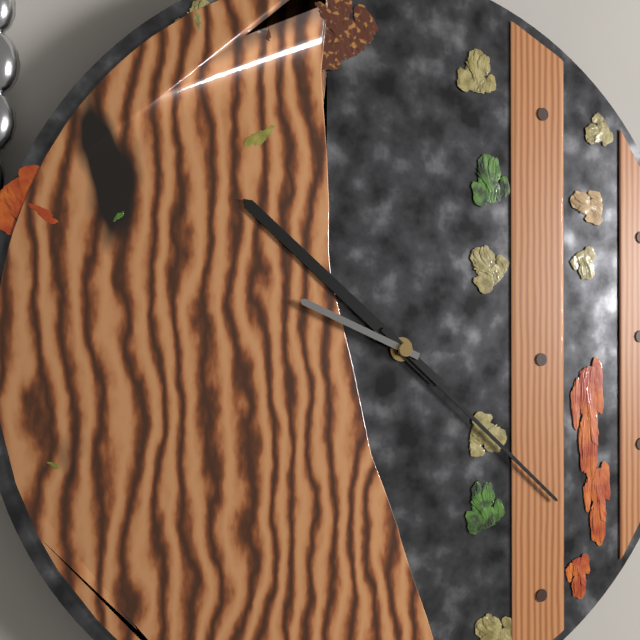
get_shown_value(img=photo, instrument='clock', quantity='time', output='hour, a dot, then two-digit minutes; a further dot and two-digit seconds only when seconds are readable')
10.22.49
